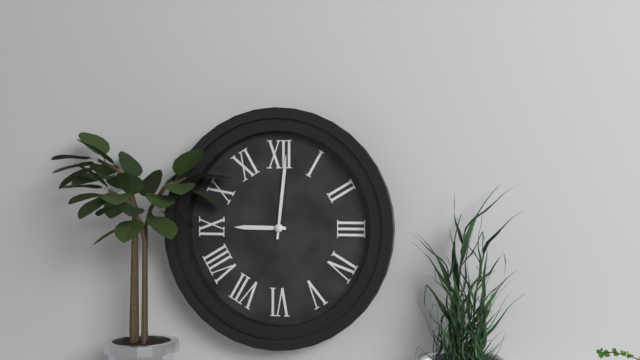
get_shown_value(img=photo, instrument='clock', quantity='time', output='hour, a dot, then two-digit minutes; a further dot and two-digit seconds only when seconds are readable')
9.01
